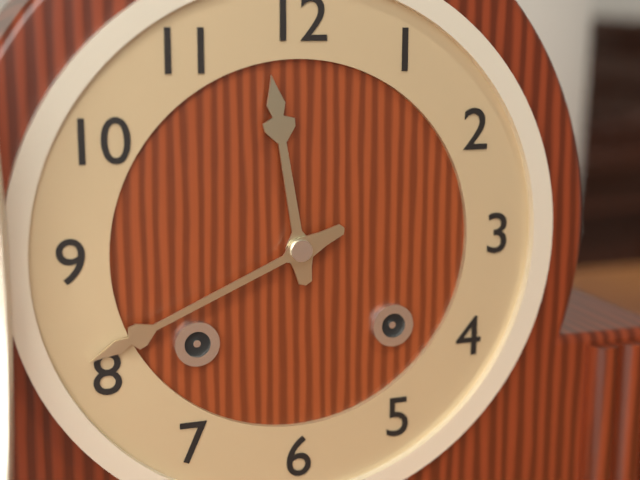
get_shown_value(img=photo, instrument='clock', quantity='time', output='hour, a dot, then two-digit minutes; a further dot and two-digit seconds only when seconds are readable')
11.41
